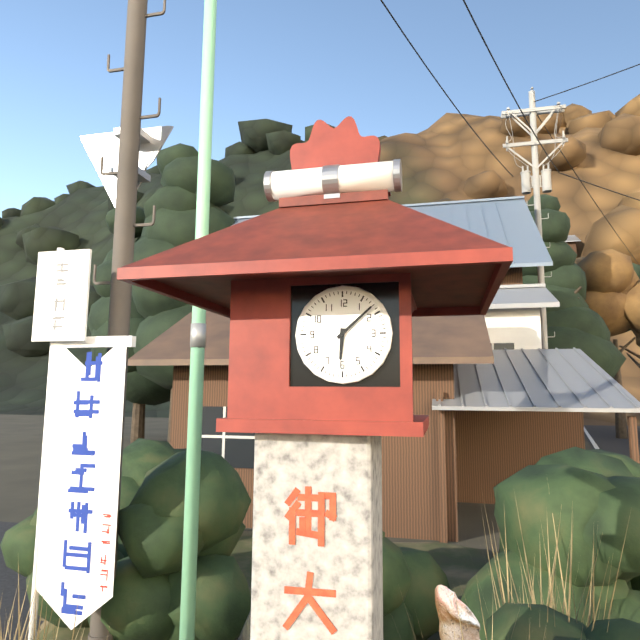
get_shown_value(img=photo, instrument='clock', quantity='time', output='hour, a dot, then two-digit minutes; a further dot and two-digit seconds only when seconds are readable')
6.08
